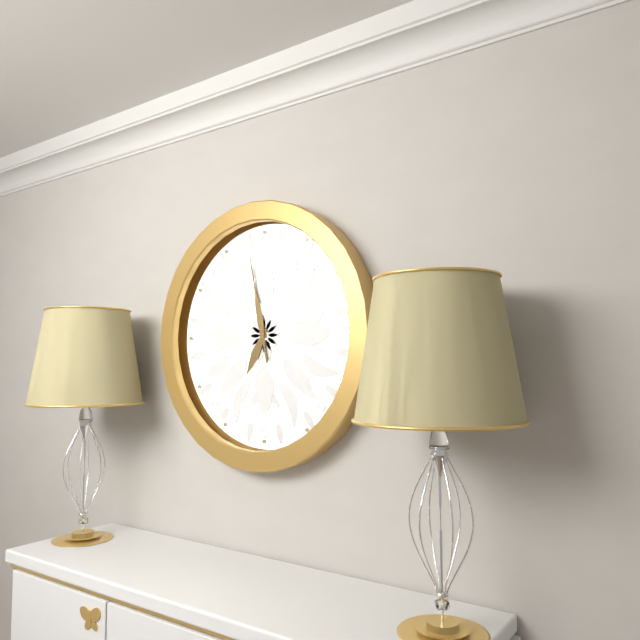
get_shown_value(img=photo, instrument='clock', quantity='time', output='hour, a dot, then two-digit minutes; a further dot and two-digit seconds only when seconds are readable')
6.58
